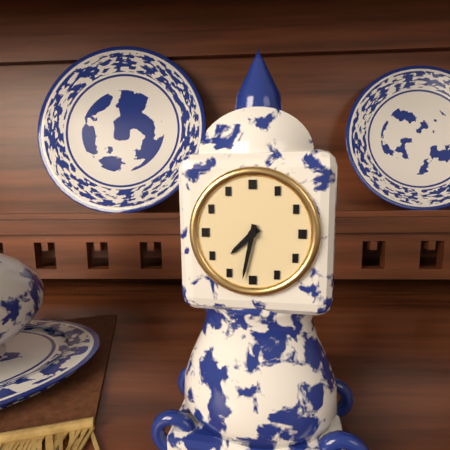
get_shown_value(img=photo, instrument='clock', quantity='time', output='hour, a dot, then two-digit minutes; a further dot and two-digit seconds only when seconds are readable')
7.32
